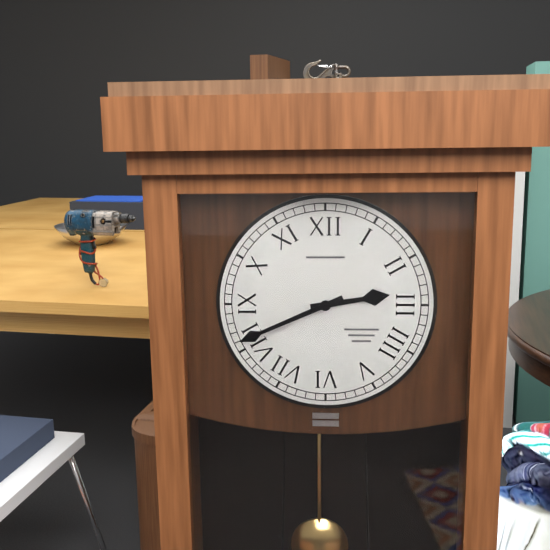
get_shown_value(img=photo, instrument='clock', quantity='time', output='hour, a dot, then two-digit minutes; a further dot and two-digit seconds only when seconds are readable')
2.41
